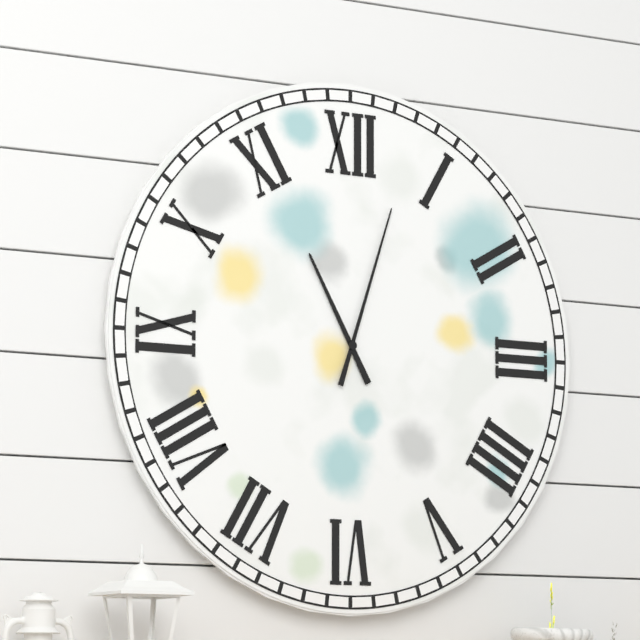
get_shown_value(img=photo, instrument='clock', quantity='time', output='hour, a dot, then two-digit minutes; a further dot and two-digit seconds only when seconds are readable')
11.03
